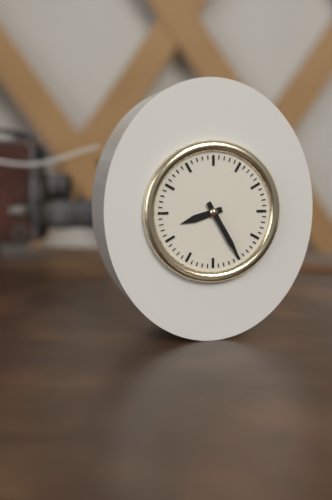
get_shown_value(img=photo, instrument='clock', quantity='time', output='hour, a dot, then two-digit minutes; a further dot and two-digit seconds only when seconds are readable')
8.25
